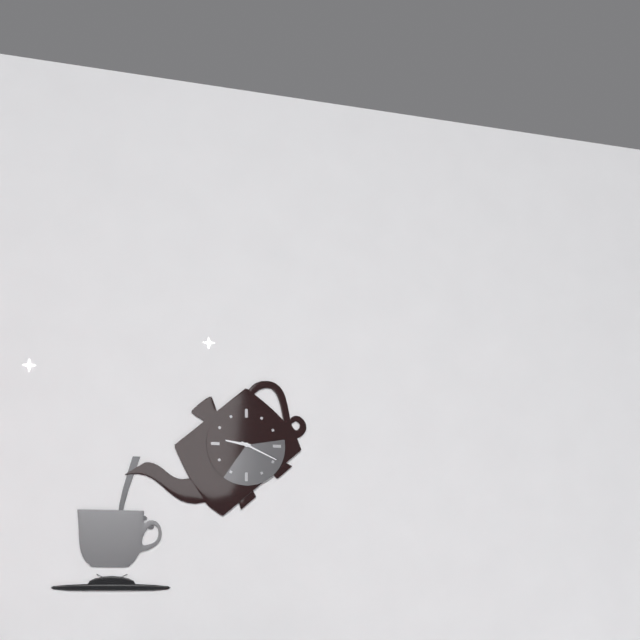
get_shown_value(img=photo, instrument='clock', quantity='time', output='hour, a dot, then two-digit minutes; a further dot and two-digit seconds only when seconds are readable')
9.19
